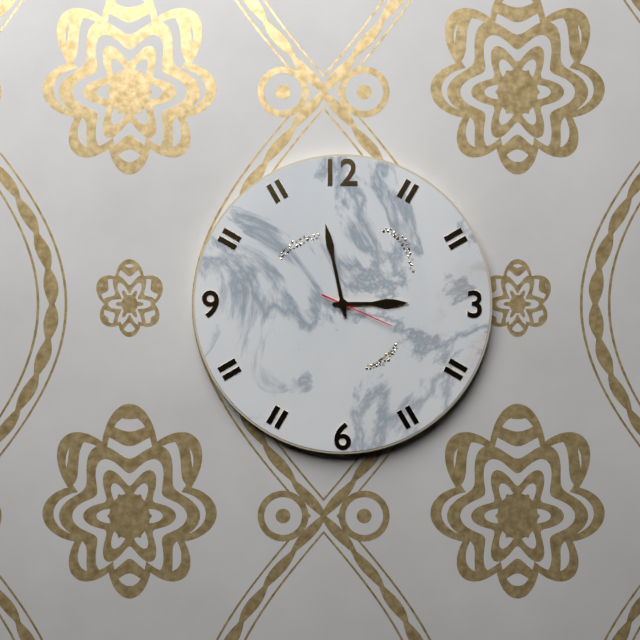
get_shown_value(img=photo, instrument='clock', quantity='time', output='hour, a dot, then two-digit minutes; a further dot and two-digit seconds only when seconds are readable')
2.58.19
